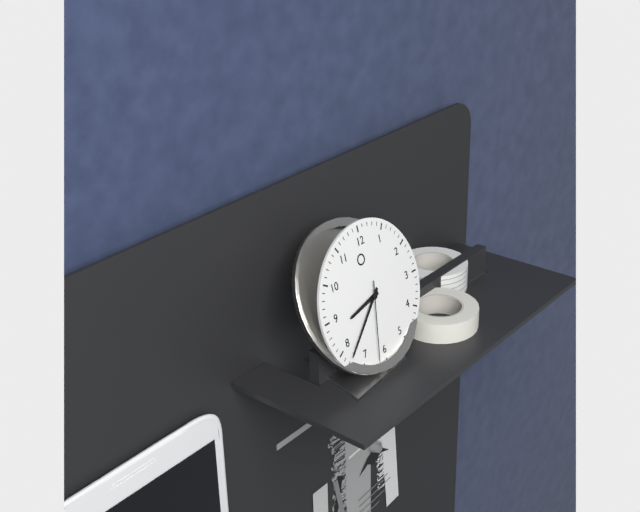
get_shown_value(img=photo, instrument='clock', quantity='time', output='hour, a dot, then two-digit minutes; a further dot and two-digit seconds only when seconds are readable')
8.38.32
